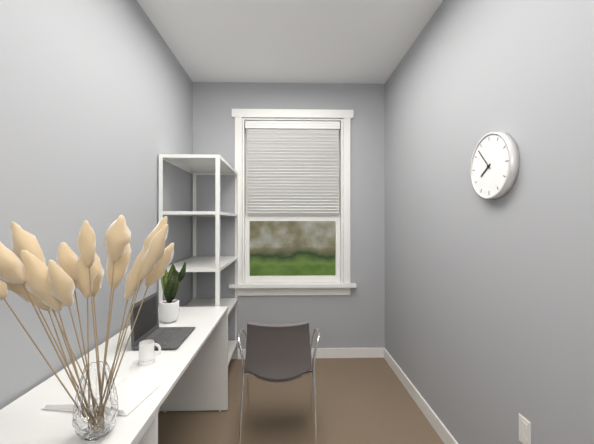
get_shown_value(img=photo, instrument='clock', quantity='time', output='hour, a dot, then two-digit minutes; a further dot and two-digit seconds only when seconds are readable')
7.53
